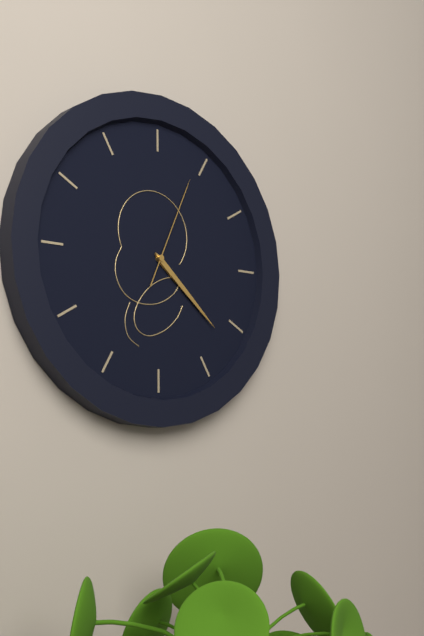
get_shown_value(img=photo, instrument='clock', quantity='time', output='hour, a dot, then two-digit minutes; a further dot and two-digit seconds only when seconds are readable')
4.22.04
